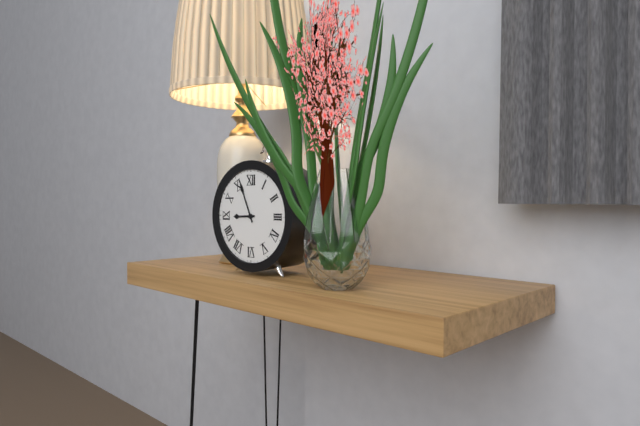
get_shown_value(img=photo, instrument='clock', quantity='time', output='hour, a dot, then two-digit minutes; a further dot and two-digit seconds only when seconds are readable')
8.56
